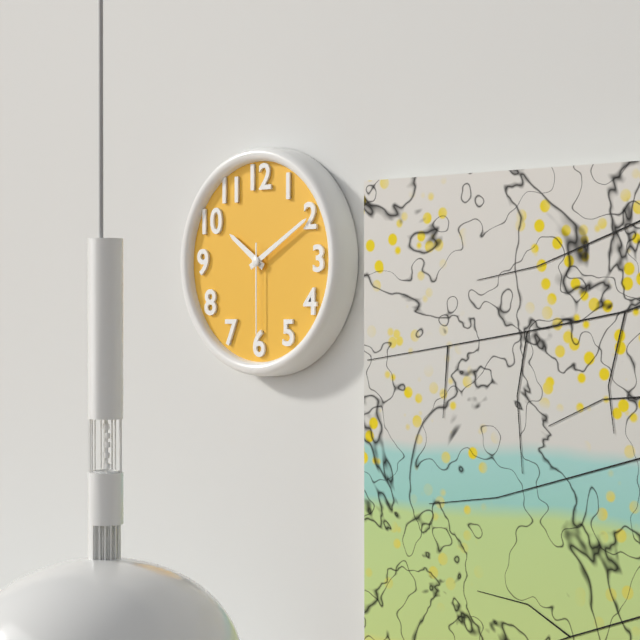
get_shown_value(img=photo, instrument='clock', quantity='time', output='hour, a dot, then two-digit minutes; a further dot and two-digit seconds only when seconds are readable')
10.10.30
